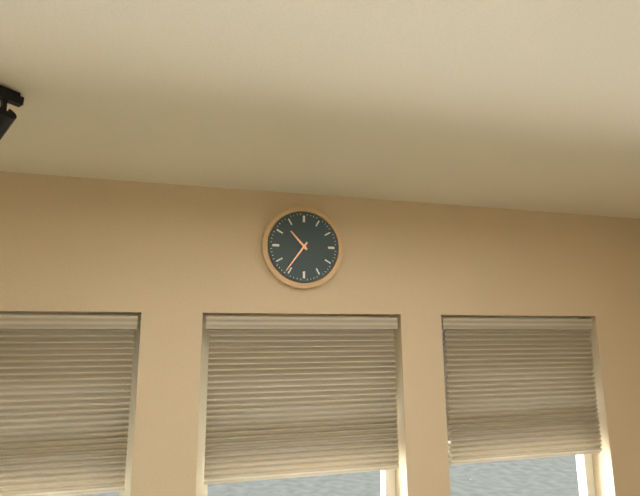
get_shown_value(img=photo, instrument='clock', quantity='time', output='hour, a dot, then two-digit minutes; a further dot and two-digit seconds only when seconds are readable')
10.36
